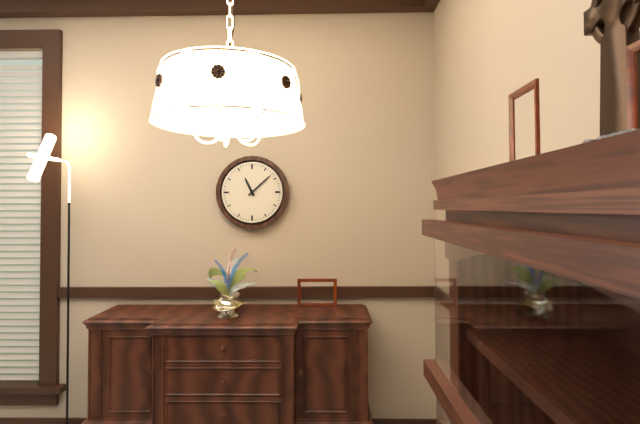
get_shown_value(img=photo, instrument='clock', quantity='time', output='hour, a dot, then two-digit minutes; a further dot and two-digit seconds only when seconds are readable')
11.08
